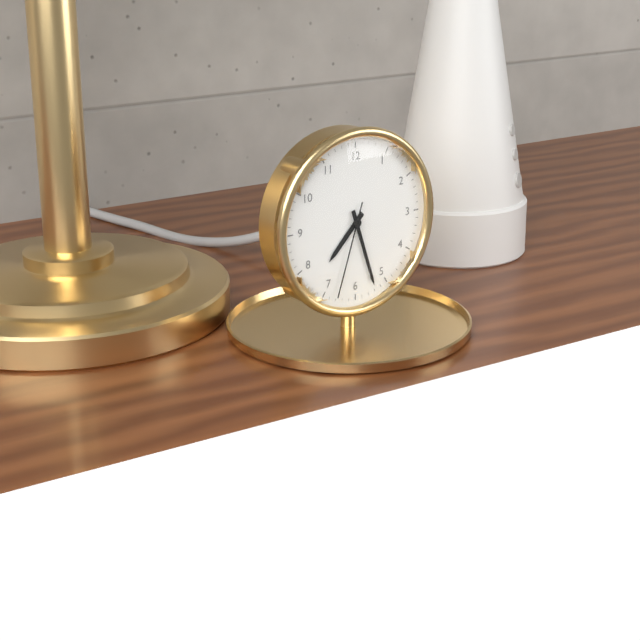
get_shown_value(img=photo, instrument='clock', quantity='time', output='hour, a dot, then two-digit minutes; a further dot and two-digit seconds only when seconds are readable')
7.27.33
